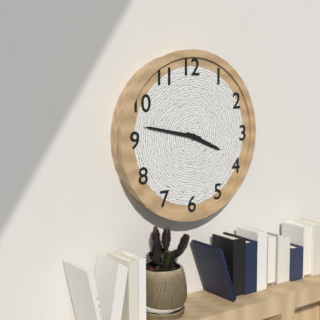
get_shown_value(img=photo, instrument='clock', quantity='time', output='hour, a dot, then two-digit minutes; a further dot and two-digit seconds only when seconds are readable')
3.47
